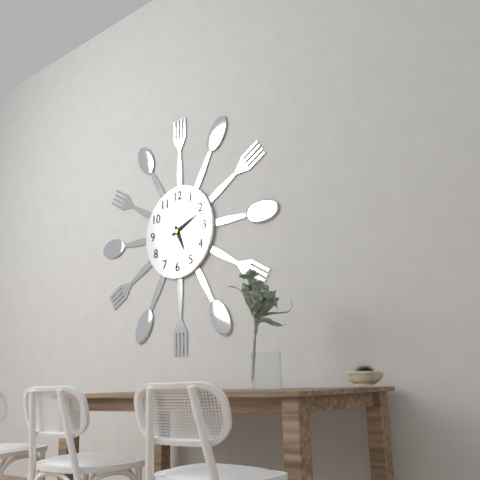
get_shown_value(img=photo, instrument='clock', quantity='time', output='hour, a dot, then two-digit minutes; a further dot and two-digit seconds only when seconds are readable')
5.11
